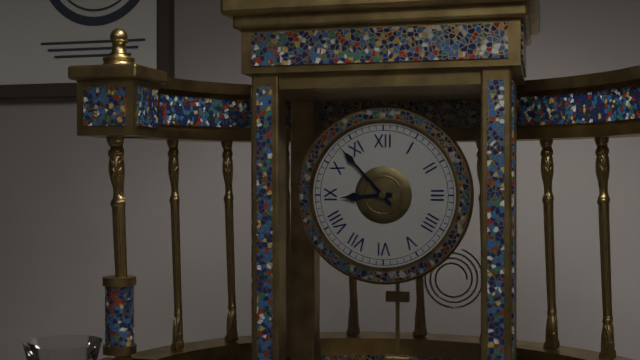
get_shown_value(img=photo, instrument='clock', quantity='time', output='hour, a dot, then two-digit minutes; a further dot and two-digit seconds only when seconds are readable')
8.53
